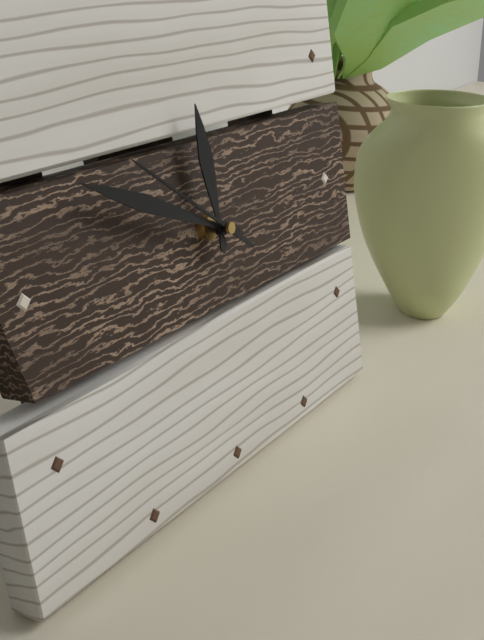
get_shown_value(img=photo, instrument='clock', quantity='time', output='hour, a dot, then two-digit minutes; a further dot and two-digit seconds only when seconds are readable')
11.49.51
